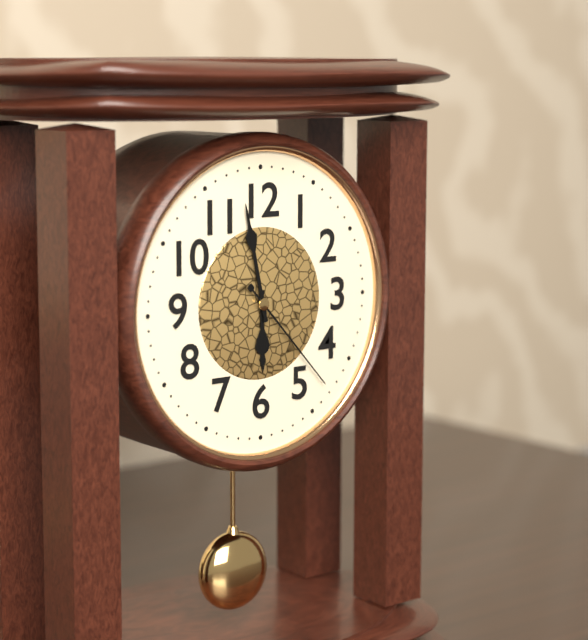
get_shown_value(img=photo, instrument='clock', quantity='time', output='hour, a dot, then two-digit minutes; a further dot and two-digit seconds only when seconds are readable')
5.58.23
